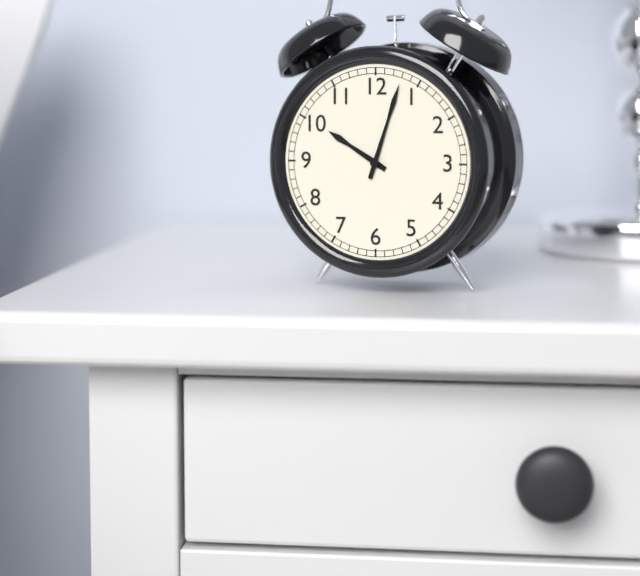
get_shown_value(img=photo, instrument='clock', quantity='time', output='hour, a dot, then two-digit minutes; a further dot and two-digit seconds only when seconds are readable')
10.03
